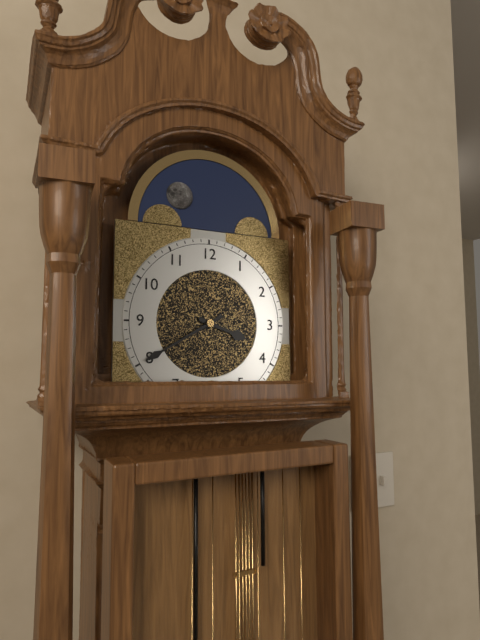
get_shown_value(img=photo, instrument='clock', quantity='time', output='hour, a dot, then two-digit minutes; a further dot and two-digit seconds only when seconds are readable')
3.40
